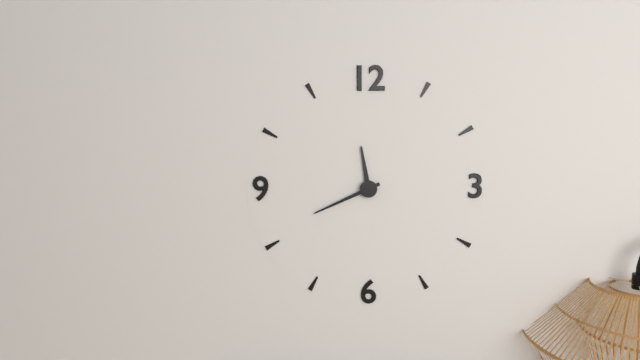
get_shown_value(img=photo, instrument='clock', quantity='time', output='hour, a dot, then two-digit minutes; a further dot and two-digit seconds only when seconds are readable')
11.41
